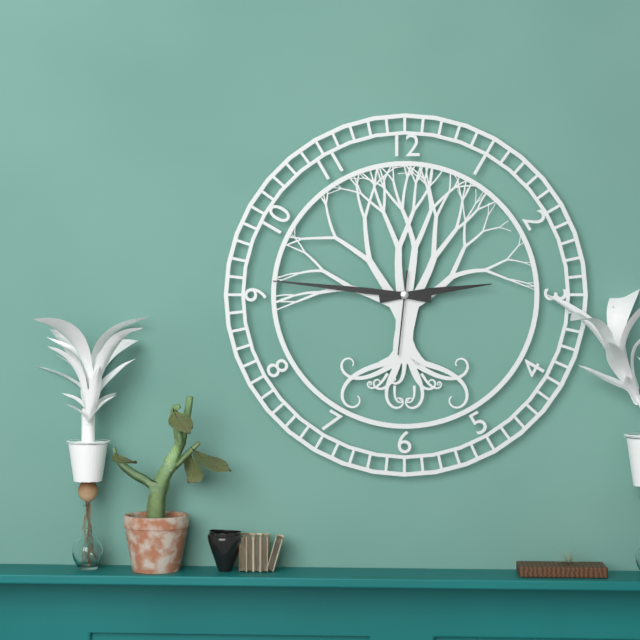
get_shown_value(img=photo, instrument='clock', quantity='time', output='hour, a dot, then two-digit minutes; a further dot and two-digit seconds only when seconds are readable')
2.46.31
